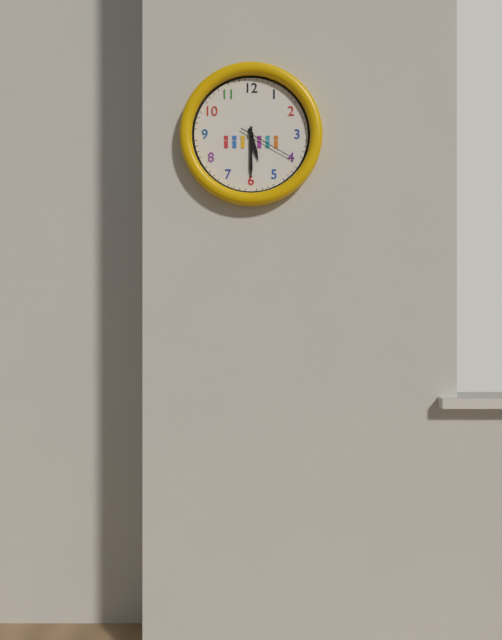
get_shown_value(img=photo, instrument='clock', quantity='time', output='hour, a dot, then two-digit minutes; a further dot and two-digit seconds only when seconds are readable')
5.30.20
